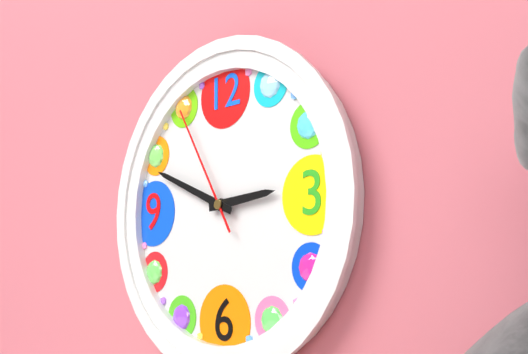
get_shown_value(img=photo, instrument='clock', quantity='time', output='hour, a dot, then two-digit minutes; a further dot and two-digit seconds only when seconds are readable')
2.49.55
